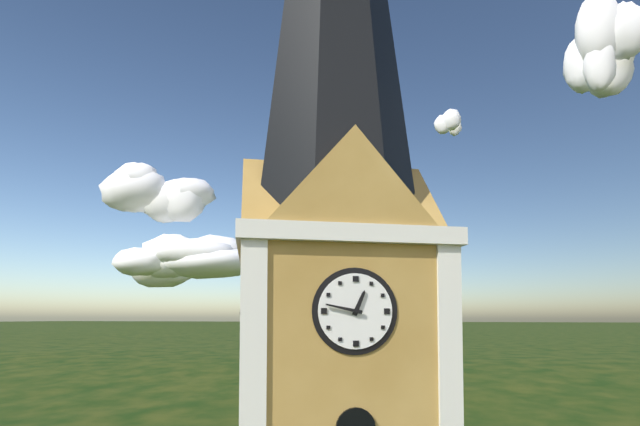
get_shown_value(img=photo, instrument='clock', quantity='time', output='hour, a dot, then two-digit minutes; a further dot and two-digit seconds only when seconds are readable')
12.47
